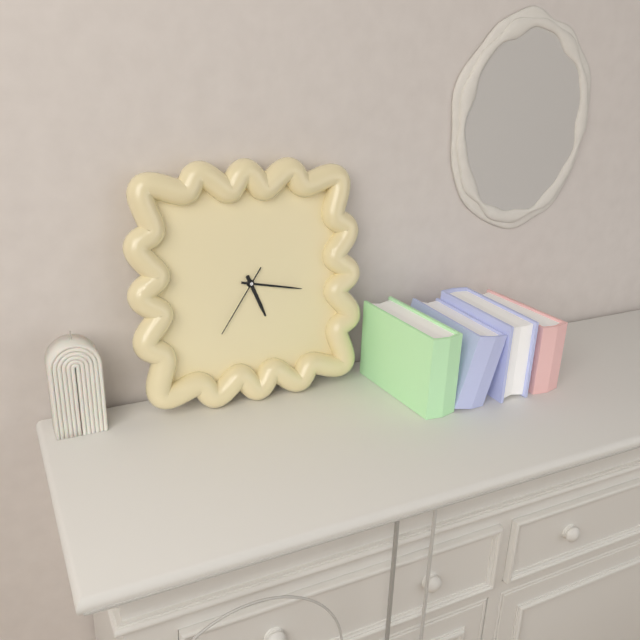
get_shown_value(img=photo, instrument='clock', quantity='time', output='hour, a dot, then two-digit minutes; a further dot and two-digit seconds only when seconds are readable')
5.17.36
